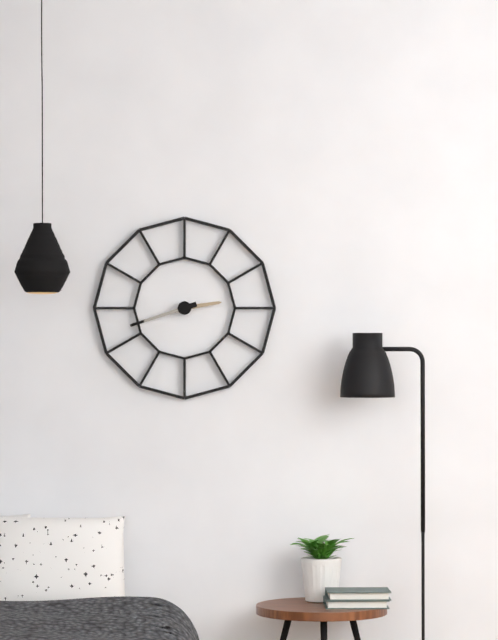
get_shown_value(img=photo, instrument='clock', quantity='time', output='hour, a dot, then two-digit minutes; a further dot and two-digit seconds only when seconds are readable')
2.42
